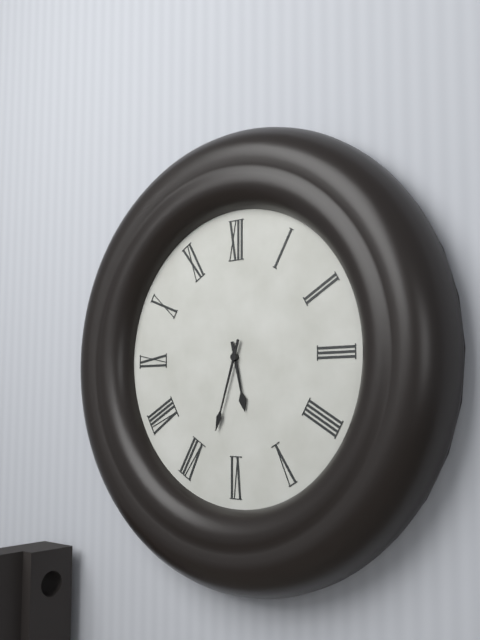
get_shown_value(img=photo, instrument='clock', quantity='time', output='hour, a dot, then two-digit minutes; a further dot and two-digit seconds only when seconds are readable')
5.33
